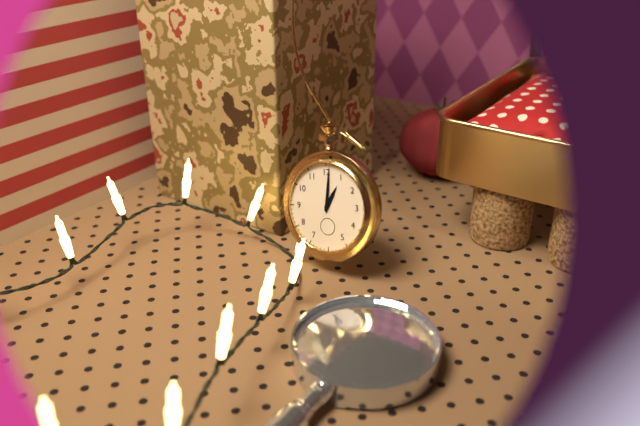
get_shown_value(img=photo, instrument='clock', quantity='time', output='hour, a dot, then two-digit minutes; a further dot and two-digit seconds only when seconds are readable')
1.01
